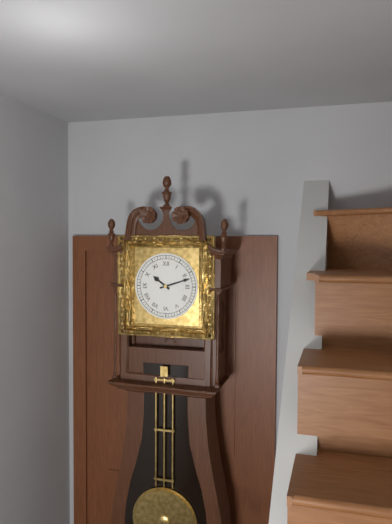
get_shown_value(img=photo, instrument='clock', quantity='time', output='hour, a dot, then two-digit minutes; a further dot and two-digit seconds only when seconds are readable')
10.12
